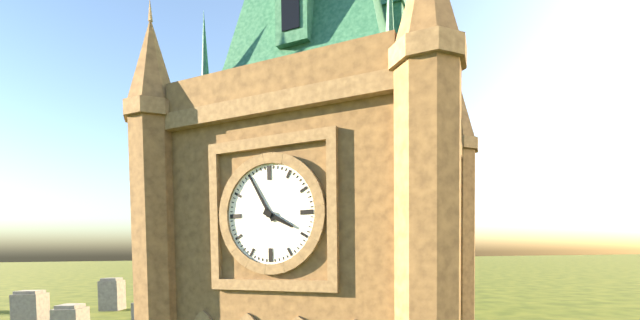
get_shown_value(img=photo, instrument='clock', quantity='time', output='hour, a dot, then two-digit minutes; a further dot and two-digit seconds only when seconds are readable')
3.55
